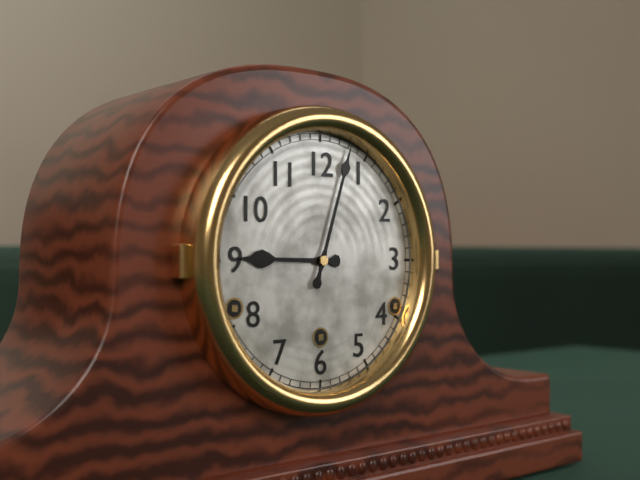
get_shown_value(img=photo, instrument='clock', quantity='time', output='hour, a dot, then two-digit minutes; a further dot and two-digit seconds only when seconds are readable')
9.03
